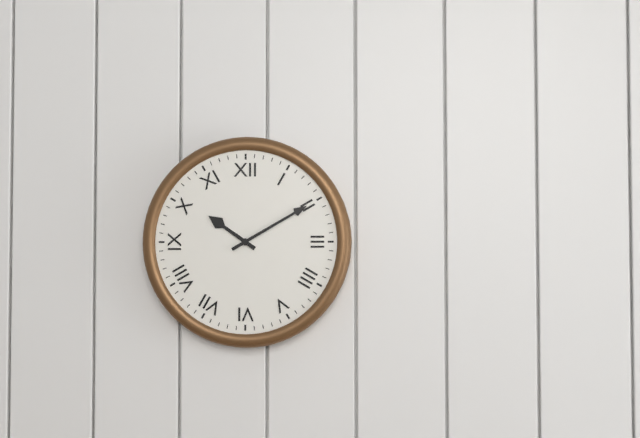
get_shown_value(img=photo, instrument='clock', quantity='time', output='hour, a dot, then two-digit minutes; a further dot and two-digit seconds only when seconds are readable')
10.10
